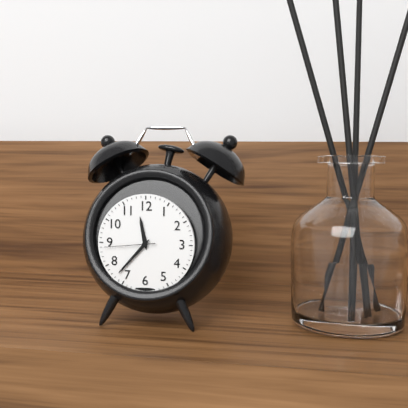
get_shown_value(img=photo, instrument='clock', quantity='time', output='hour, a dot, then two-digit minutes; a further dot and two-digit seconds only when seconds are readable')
11.37.44
